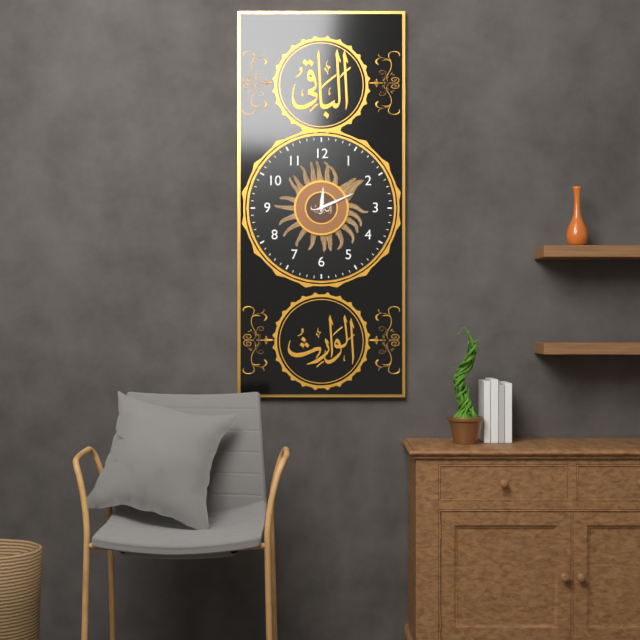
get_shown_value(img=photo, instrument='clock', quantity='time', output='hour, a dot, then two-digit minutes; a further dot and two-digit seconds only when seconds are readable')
12.11
